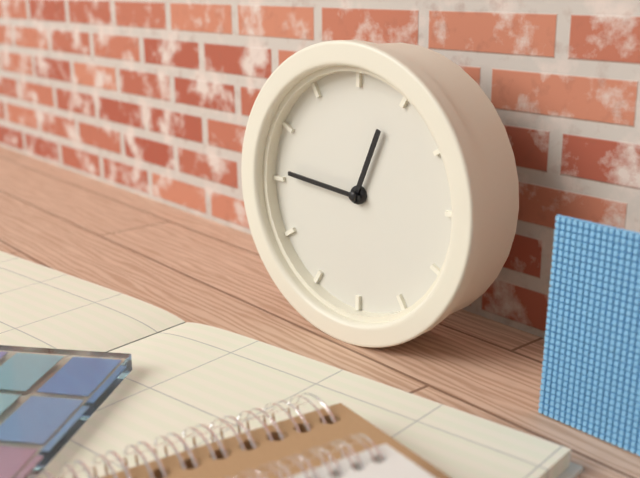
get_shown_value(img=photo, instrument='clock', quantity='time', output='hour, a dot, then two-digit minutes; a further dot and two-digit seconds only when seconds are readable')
12.46
